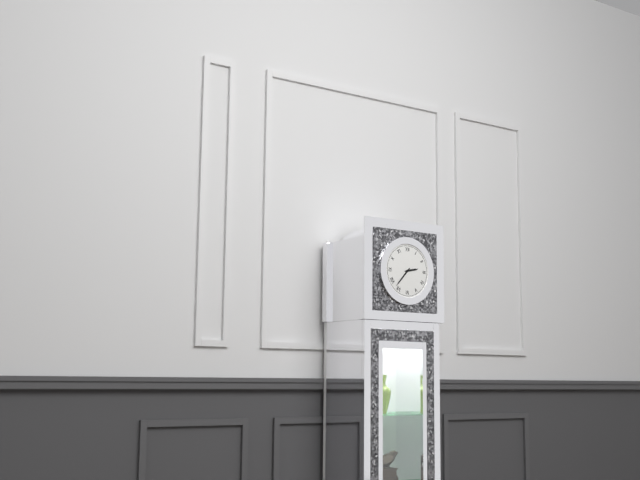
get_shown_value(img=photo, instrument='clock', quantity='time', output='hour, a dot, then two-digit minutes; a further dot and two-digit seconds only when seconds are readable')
2.37
